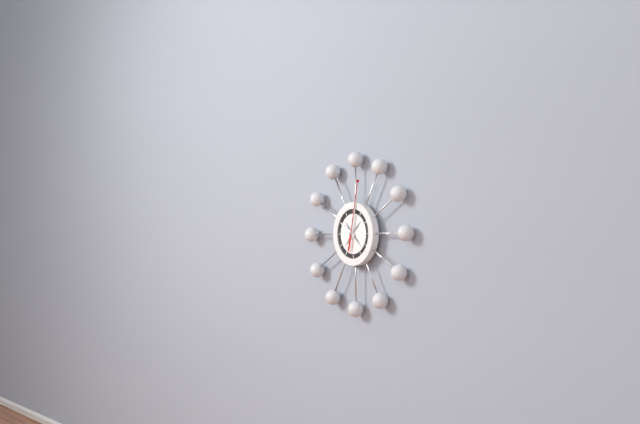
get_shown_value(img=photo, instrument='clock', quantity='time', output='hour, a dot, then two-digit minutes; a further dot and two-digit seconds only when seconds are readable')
10.02.02
